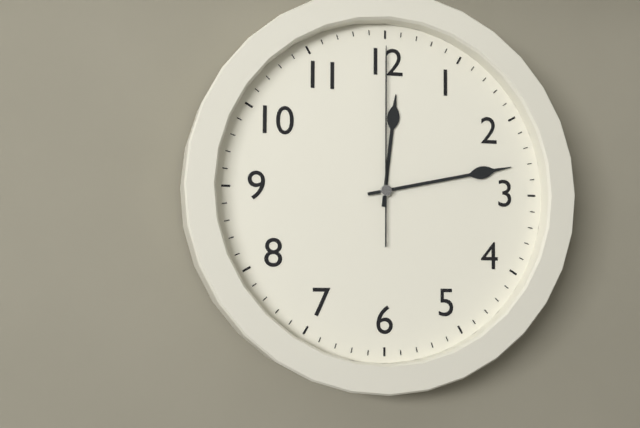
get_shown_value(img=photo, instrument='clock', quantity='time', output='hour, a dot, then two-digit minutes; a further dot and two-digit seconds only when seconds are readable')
12.13.00
